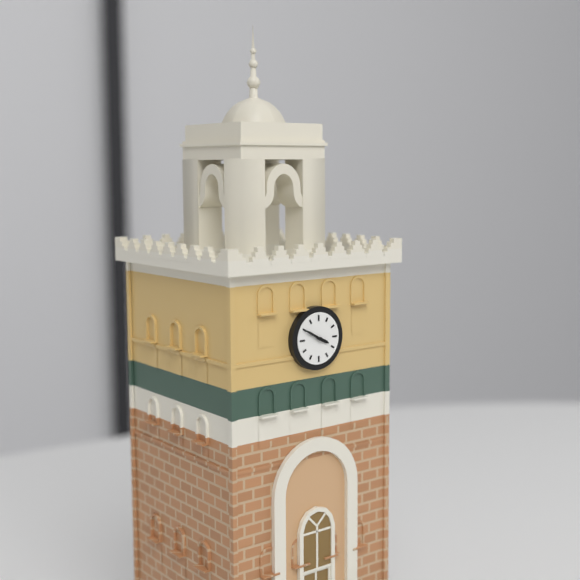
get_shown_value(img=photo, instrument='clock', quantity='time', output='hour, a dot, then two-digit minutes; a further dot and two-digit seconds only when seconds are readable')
3.50
